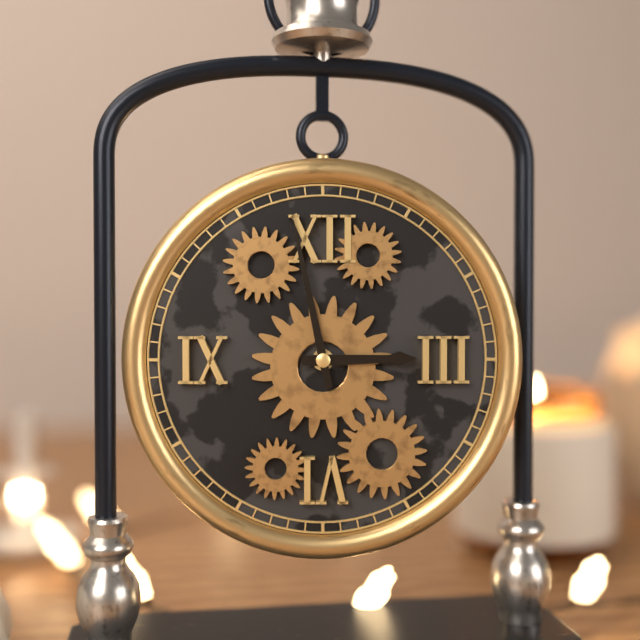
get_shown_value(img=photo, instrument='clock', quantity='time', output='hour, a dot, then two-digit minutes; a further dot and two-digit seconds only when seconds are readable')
2.58
